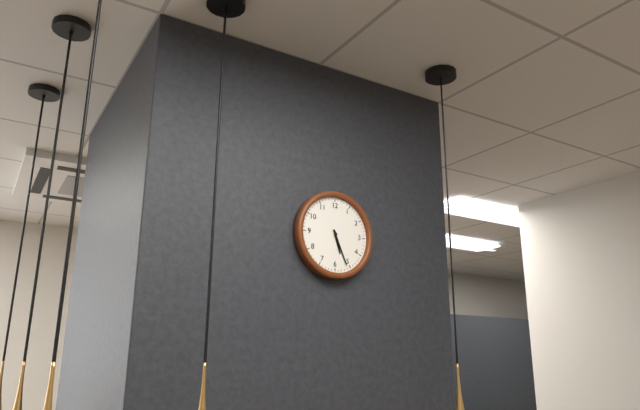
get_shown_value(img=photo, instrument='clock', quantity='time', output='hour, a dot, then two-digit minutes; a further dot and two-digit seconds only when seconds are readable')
5.26
